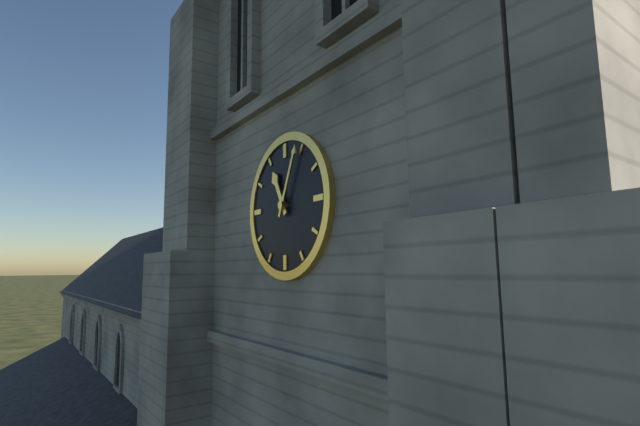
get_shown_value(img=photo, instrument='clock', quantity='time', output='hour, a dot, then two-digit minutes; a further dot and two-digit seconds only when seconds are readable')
11.04
